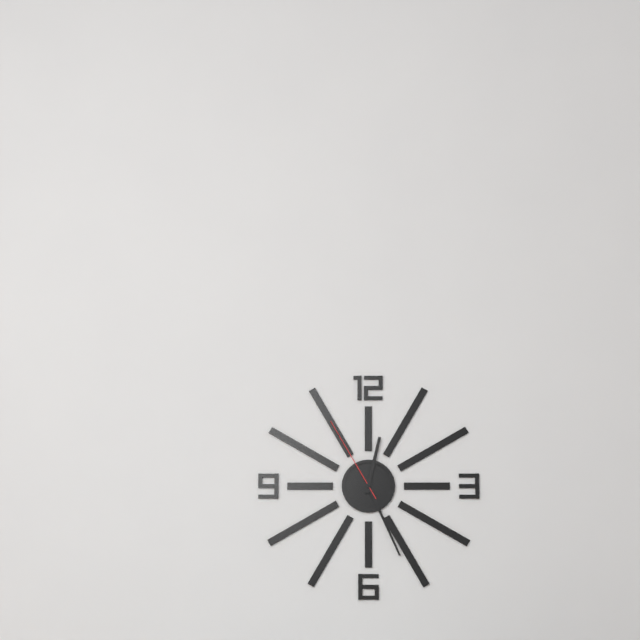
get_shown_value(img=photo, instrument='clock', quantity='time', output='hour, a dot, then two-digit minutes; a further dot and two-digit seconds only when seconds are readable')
12.26.55
